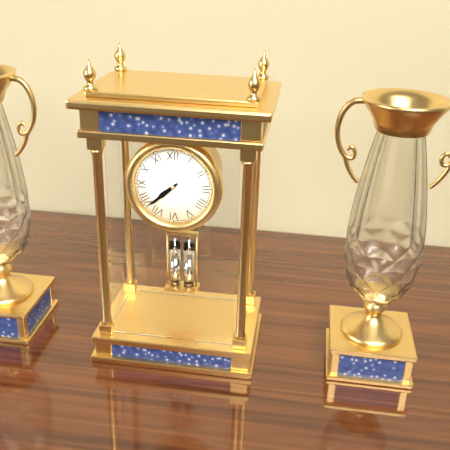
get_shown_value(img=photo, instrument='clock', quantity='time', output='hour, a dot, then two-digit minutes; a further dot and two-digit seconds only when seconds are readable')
7.38
